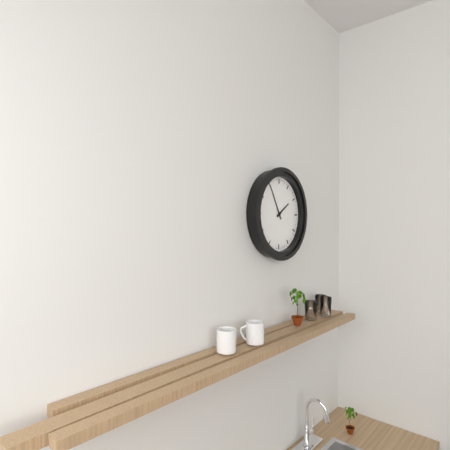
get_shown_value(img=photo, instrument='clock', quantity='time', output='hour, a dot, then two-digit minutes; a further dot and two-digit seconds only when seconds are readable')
1.55
